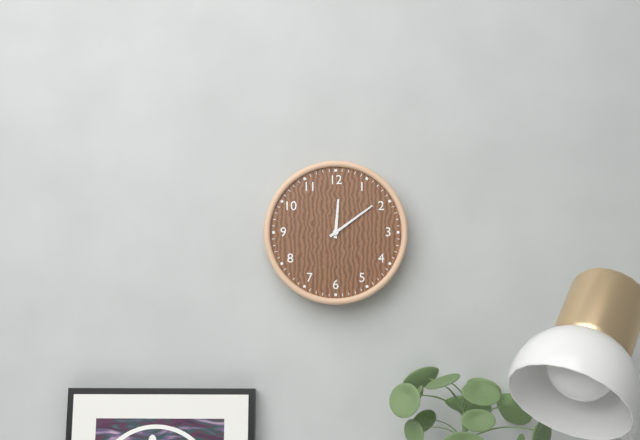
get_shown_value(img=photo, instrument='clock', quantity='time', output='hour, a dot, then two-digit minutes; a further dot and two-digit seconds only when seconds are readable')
12.09
